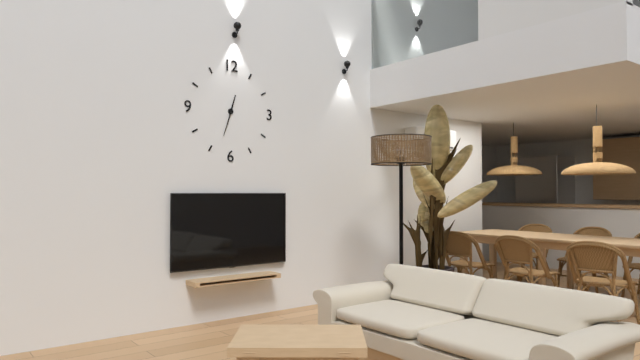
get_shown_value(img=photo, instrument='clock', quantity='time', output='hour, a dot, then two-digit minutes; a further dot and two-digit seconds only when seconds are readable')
12.33
